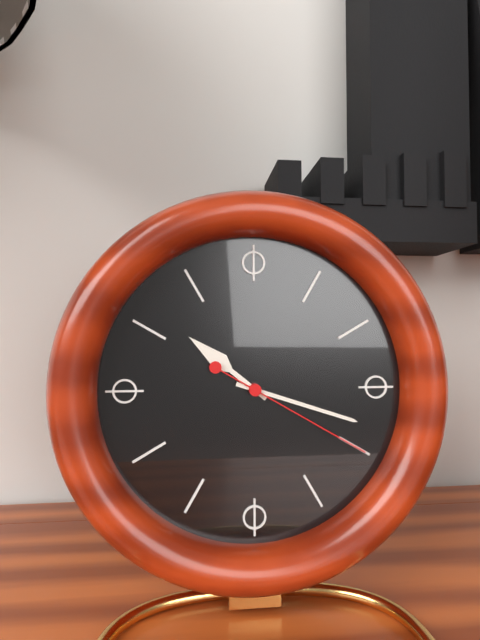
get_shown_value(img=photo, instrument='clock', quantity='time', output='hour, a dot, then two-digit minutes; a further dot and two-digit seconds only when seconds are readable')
10.18.20
